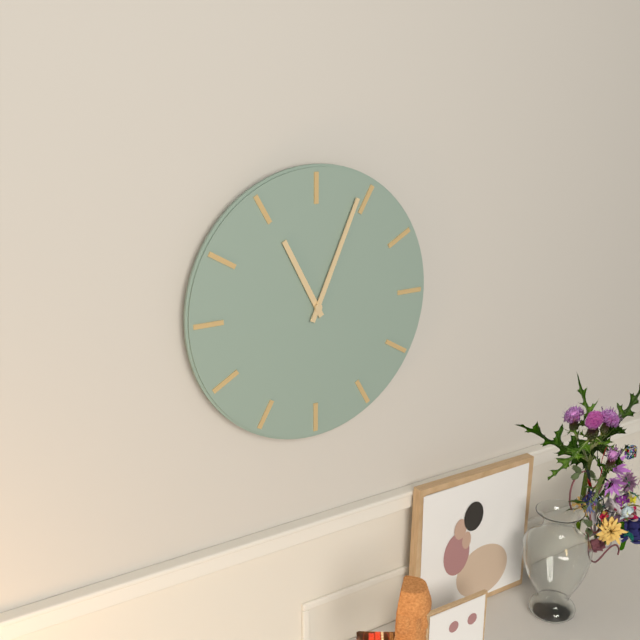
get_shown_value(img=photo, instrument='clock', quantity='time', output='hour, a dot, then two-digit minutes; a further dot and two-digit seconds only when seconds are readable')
11.04
